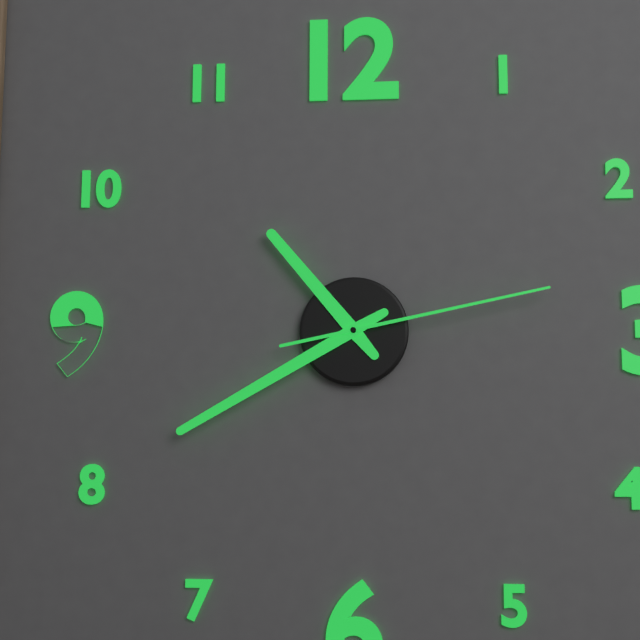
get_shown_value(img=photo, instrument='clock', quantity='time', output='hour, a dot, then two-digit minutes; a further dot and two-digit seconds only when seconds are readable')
10.40.13
